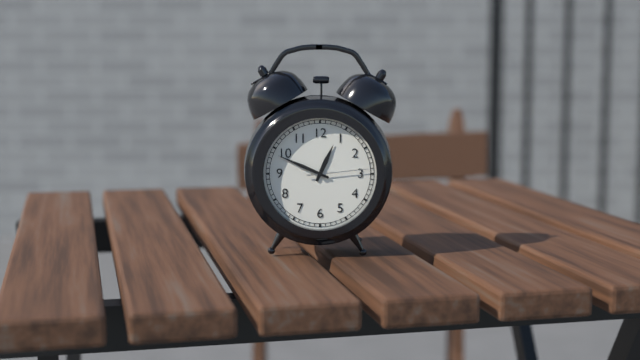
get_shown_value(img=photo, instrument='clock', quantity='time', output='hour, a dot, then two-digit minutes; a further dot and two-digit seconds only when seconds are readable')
12.49.14
